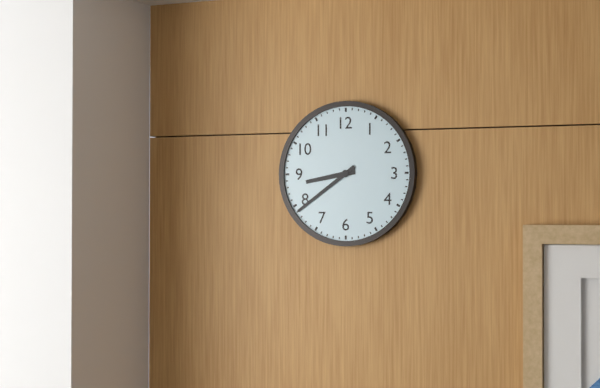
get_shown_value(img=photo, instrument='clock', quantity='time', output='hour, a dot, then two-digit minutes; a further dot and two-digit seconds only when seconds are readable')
8.39
